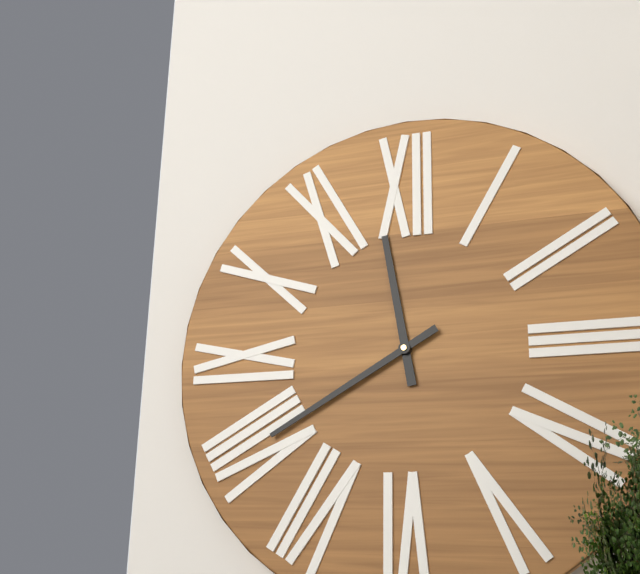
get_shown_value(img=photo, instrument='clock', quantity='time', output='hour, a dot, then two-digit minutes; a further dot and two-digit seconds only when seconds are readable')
11.40
